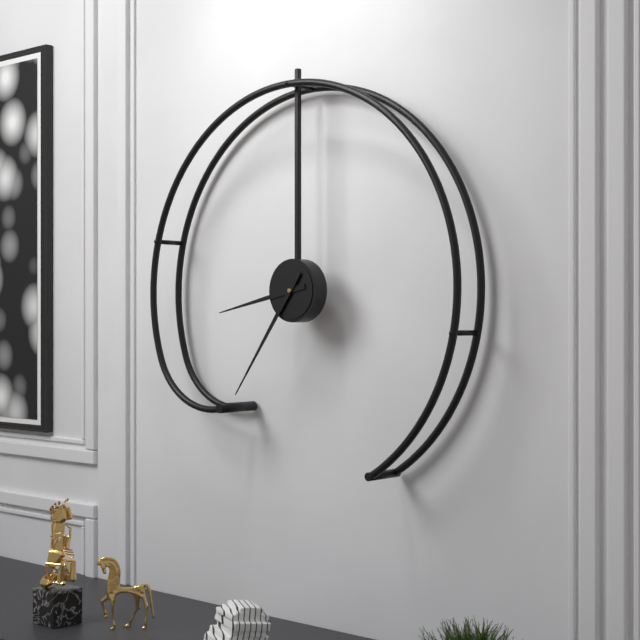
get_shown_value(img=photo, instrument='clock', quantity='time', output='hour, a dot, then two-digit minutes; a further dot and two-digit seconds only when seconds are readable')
8.36
